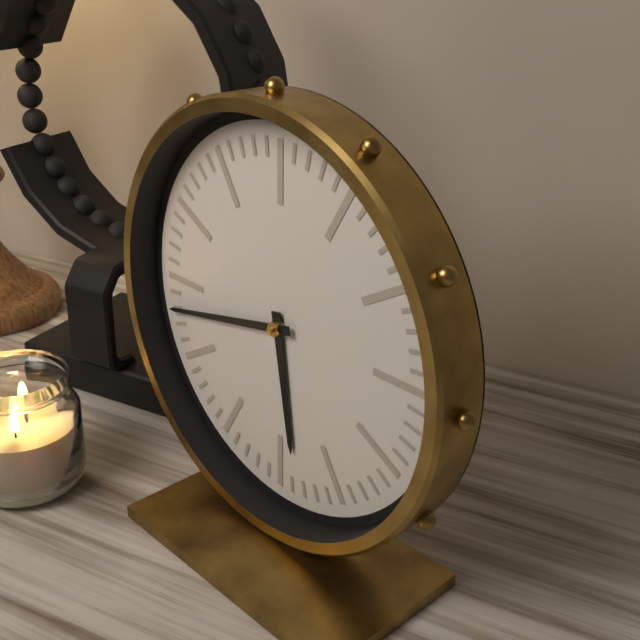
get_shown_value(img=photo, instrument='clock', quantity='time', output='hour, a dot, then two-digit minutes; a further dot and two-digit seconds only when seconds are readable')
5.43
